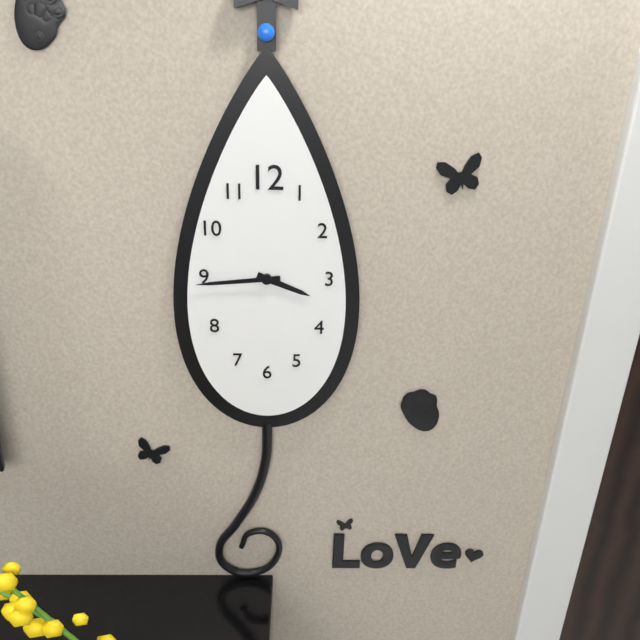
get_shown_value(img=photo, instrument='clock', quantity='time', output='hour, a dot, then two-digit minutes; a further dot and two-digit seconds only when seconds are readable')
3.44
